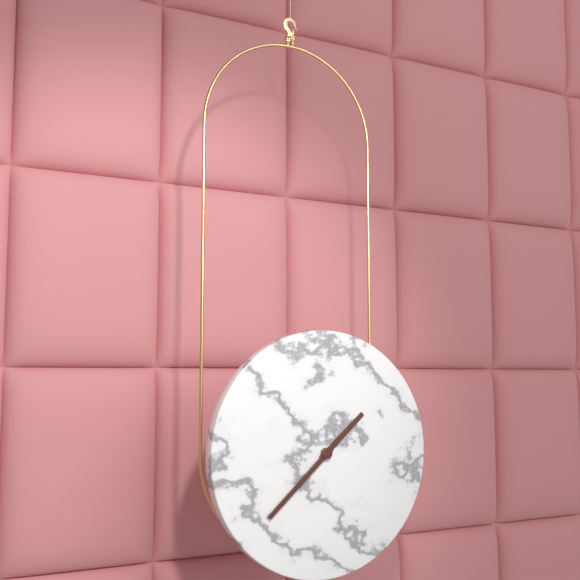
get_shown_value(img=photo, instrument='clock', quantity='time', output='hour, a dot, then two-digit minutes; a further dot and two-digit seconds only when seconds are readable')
1.38
